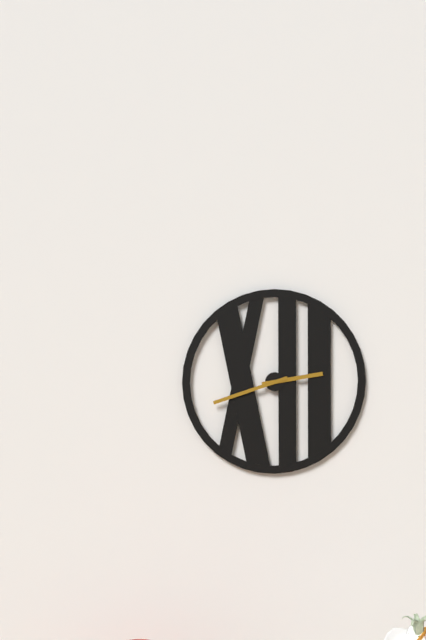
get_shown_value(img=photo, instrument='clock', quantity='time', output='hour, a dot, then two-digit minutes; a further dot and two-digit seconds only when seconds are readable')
2.42
